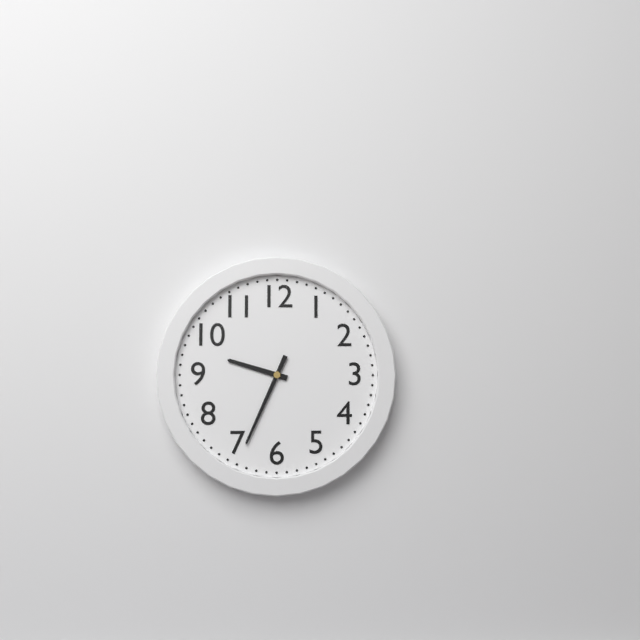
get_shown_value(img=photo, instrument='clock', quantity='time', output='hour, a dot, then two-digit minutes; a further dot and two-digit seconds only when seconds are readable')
9.34
